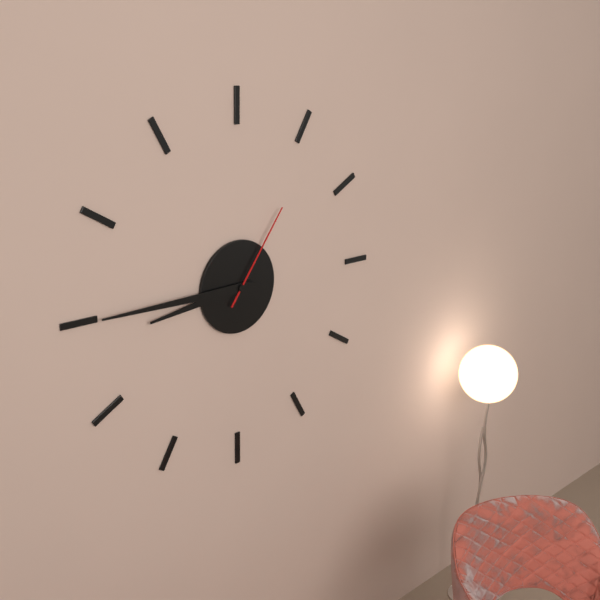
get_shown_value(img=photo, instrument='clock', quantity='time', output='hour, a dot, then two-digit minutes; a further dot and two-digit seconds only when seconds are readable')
8.45.06
